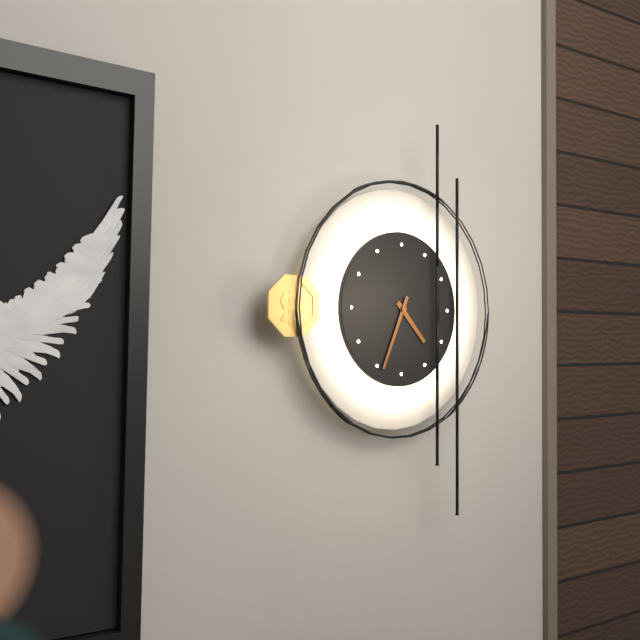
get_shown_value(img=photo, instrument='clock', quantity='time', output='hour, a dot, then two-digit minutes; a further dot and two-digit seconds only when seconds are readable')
4.34
